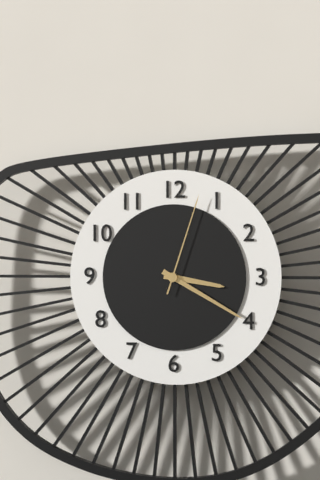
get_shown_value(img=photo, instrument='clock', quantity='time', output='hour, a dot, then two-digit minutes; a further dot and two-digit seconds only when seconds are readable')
3.20.03
